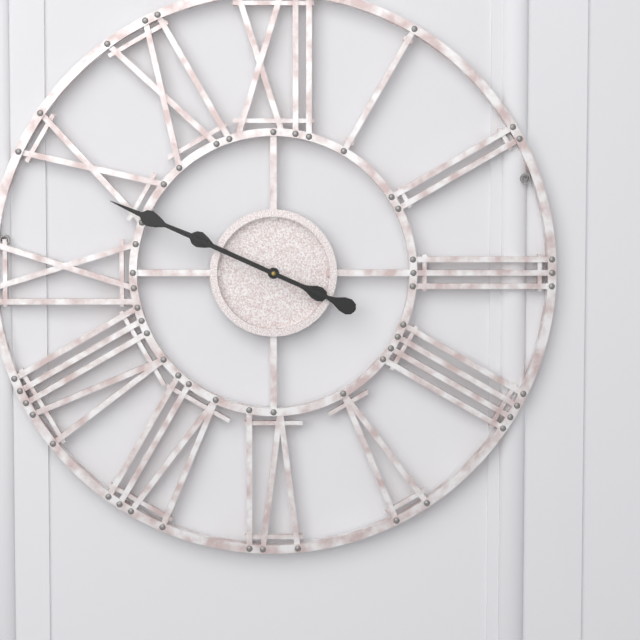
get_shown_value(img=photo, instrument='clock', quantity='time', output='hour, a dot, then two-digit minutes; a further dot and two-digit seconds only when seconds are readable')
9.49
